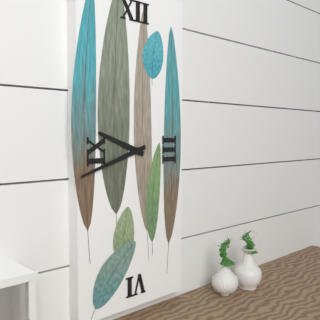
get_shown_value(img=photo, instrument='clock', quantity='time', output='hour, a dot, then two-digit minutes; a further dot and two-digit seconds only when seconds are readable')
9.42
